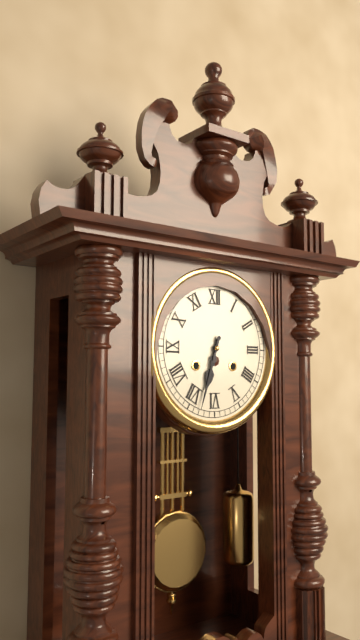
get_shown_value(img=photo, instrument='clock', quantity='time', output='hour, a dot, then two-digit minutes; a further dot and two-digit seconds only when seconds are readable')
6.33
